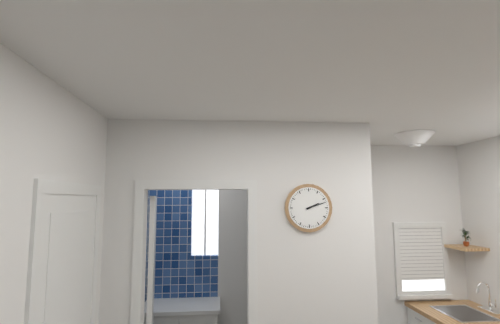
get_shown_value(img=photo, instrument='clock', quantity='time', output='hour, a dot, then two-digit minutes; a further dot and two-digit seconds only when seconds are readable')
2.12
